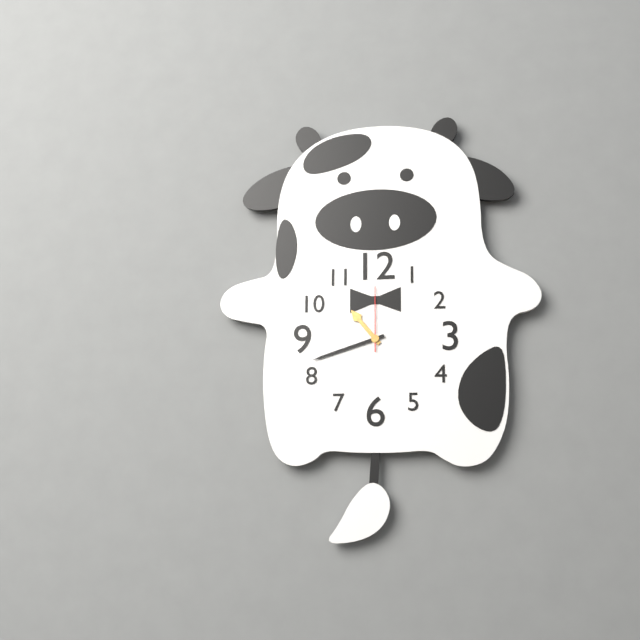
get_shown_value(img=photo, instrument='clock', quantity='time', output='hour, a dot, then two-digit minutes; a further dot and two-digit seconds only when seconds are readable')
10.42.00
